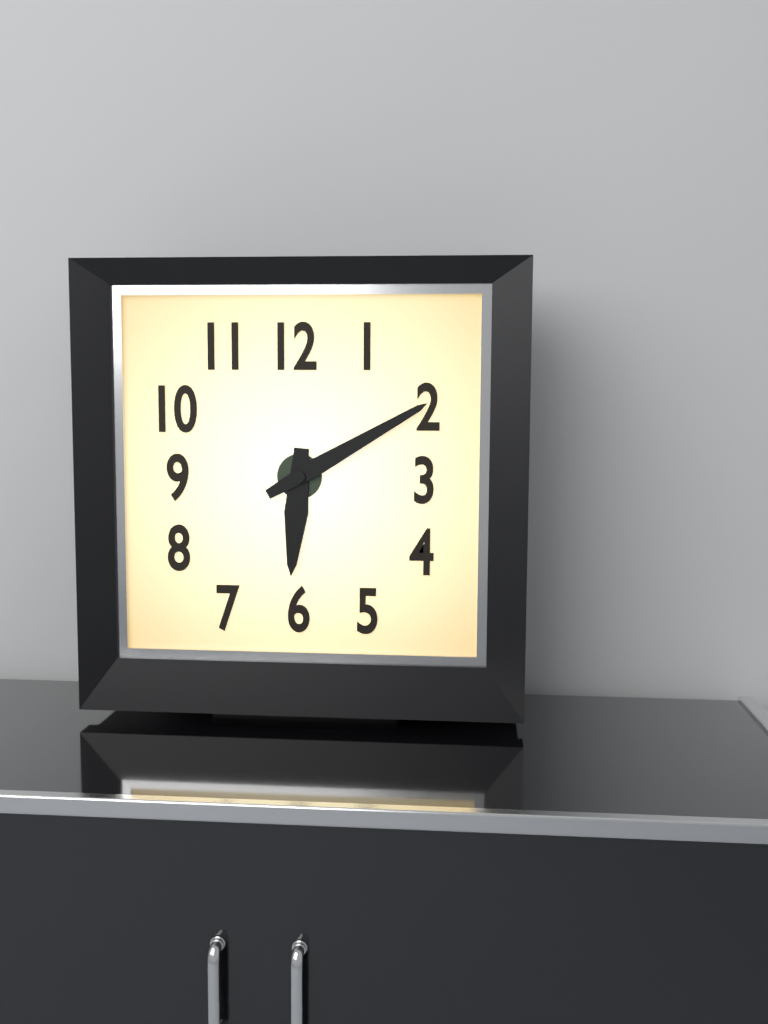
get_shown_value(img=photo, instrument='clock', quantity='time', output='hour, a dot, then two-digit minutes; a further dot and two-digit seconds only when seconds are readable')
6.10
